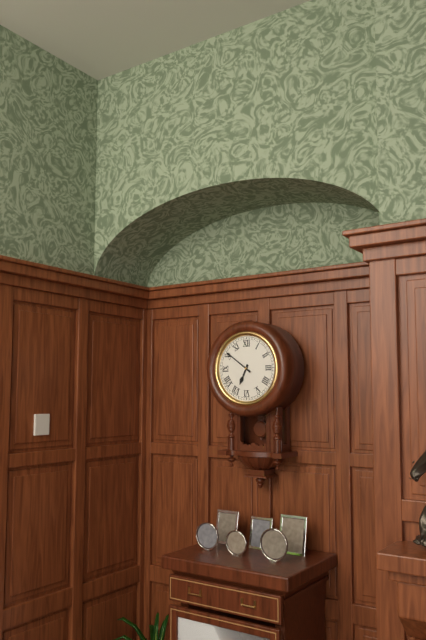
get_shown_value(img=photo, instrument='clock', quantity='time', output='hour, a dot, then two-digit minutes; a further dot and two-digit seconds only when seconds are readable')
6.51
